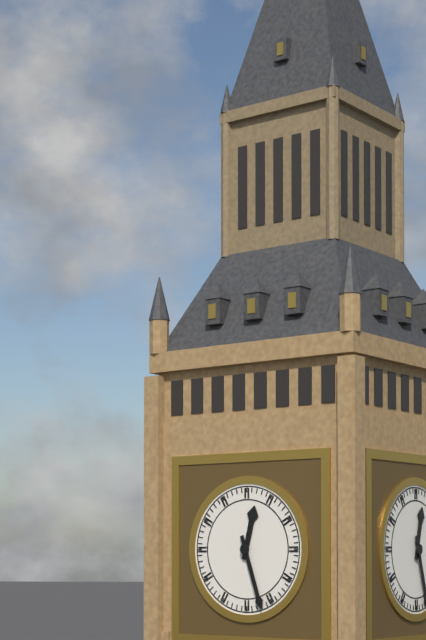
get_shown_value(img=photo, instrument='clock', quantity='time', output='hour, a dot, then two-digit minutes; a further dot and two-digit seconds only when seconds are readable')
12.27
